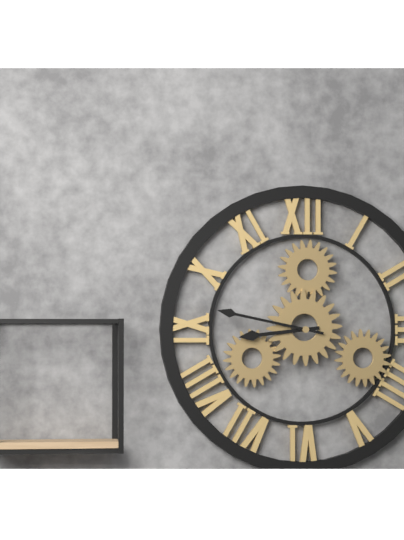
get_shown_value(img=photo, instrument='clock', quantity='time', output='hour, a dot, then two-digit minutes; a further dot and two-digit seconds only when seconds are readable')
8.47
